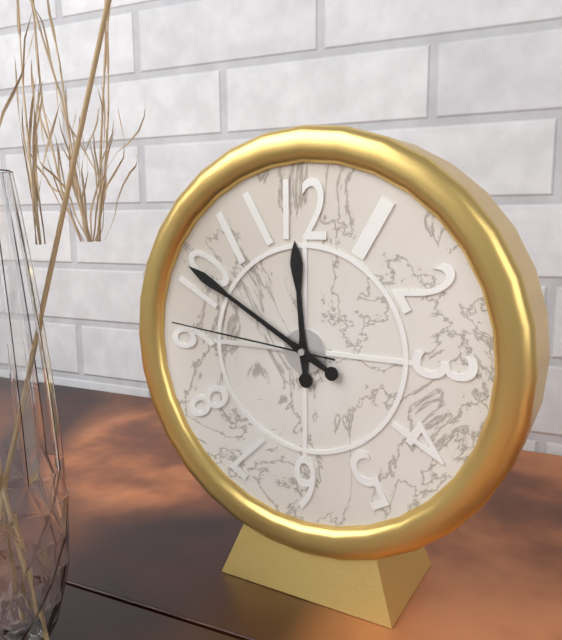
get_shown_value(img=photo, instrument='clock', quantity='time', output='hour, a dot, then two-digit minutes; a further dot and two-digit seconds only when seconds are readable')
11.50.46
